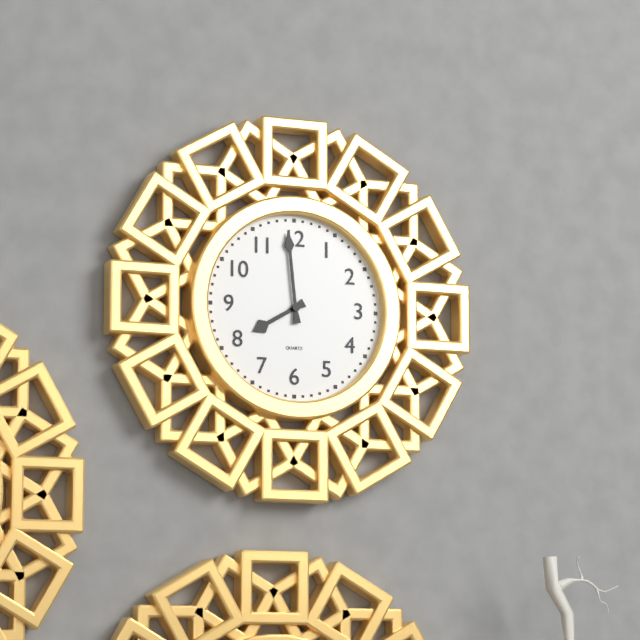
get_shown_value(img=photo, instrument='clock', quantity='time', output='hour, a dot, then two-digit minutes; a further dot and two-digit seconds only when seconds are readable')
7.59
